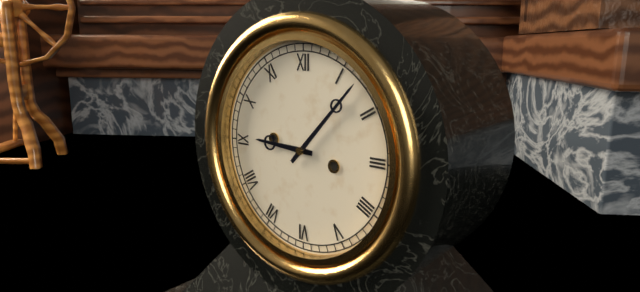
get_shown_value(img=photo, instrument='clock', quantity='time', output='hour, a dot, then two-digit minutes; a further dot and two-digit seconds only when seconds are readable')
9.07
